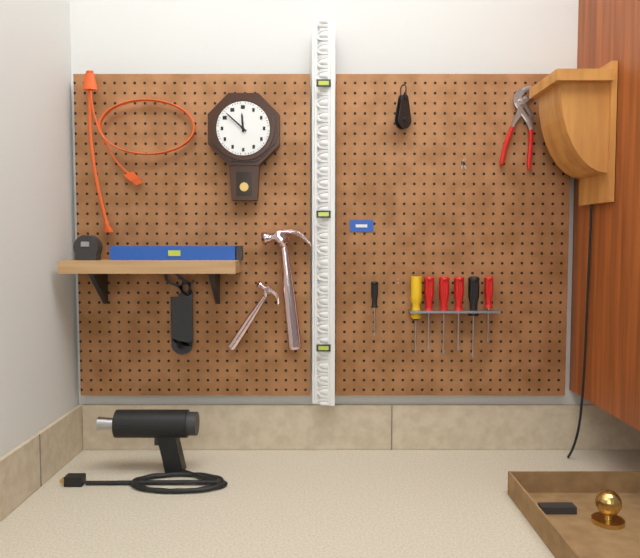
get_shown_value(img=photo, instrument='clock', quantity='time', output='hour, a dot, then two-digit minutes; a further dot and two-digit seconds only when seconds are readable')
11.52
